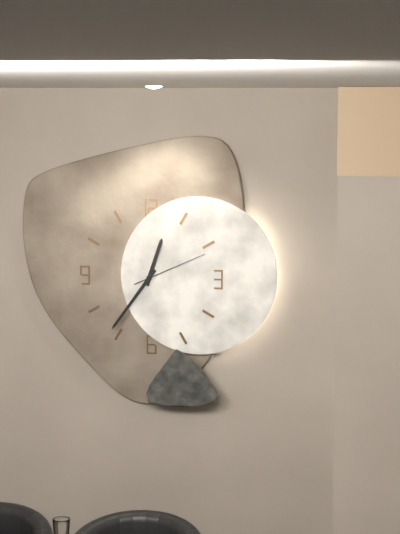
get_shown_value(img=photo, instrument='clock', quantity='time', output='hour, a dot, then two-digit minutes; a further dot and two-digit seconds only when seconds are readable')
12.36.11
